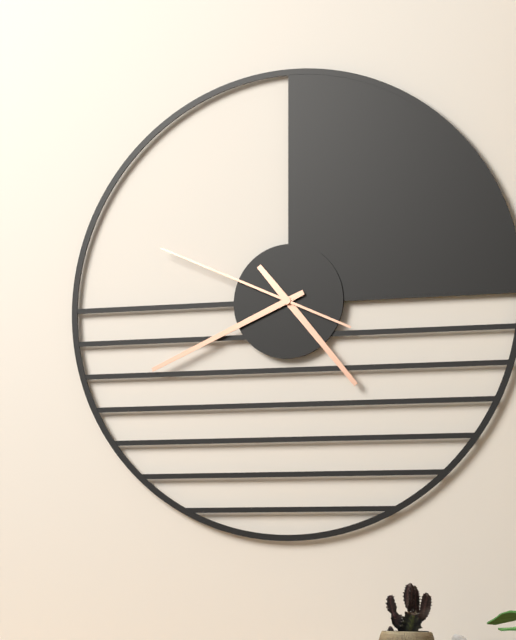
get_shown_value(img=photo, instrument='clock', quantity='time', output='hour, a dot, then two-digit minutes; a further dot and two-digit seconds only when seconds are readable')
4.41.49
